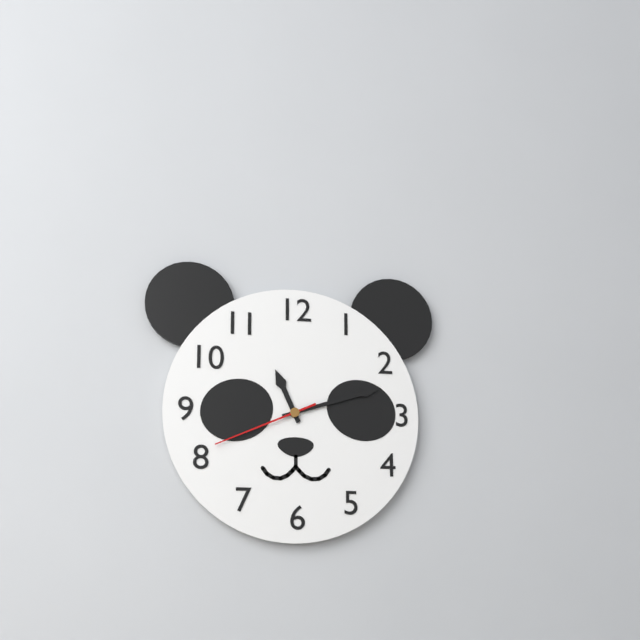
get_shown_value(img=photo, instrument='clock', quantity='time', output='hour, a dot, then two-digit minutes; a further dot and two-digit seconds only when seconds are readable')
11.12.41
